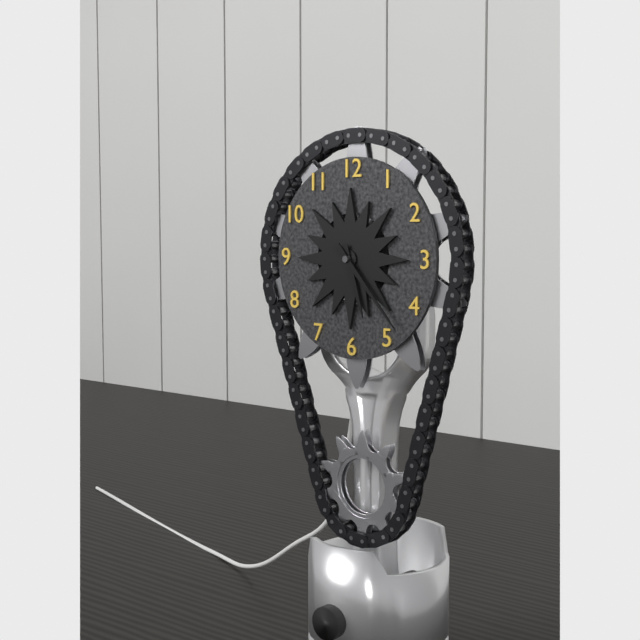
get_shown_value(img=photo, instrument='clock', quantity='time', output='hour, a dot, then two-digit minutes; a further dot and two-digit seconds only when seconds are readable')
5.23
